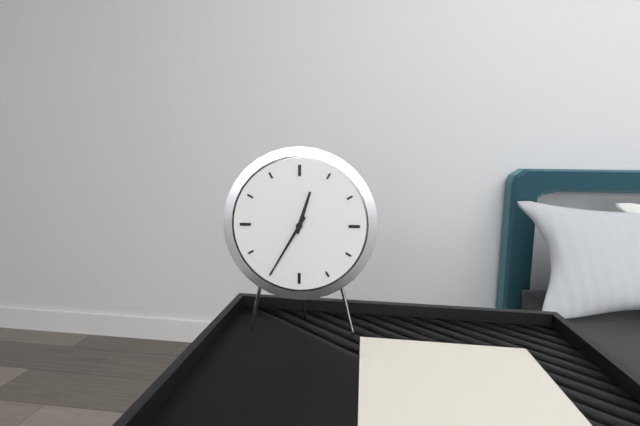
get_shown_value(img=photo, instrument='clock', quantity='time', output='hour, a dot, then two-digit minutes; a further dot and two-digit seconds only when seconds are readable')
12.35
